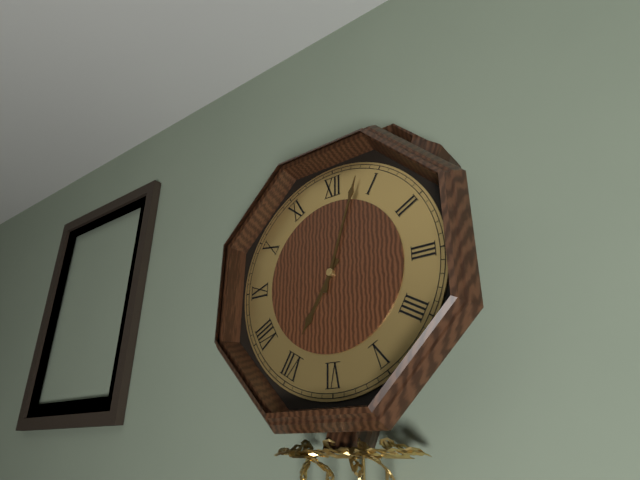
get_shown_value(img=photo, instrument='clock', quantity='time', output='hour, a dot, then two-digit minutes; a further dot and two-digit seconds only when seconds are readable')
7.03
